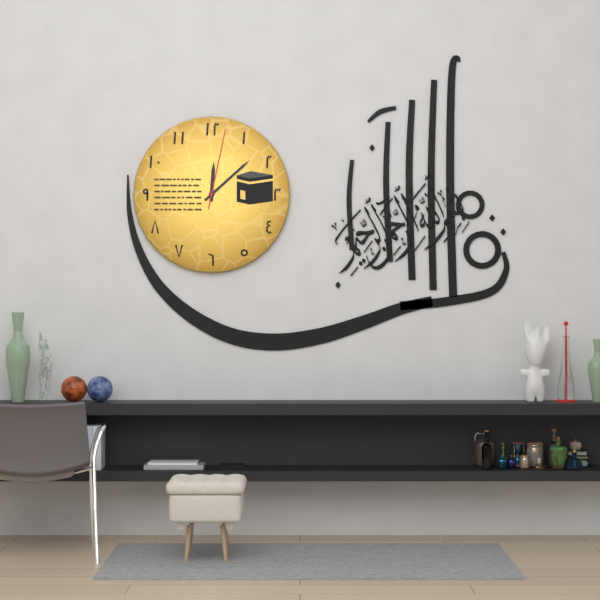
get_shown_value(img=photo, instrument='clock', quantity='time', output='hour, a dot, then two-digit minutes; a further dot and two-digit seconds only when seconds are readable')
12.08.02
